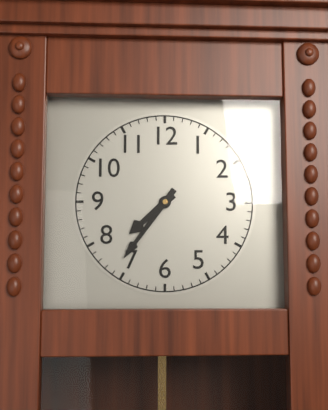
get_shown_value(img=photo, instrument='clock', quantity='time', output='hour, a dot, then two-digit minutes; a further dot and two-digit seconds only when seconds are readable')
7.36
